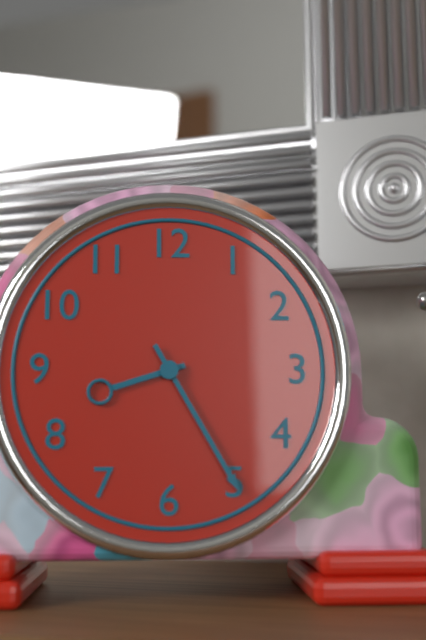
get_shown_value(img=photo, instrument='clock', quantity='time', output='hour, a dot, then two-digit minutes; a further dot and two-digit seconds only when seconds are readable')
8.25
